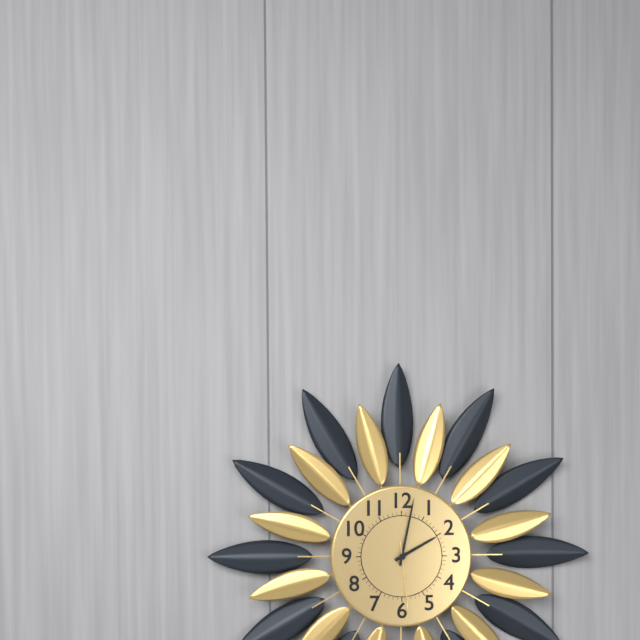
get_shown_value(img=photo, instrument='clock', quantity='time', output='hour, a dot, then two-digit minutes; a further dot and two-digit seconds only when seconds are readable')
2.02.29
